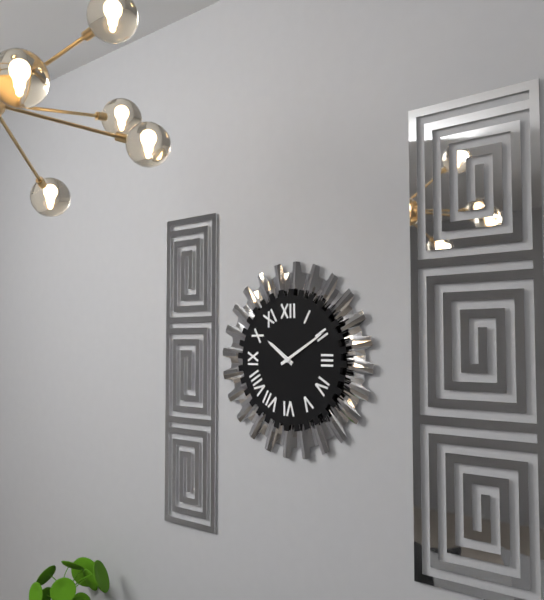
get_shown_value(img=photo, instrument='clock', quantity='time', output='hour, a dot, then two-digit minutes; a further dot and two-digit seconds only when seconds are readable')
10.10
